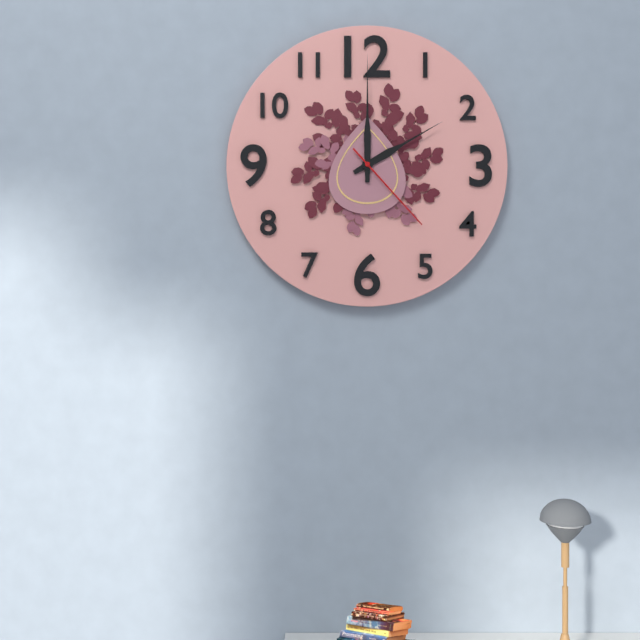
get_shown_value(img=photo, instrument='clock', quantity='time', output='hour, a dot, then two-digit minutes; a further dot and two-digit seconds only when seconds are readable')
2.00.23
